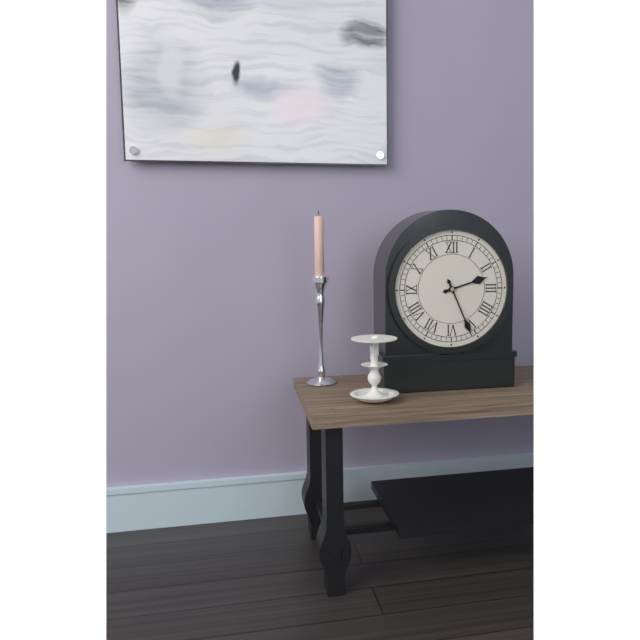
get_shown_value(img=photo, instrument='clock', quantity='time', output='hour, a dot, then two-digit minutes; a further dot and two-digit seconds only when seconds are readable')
2.26
